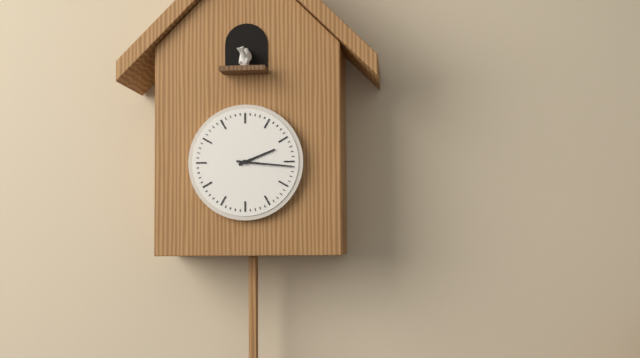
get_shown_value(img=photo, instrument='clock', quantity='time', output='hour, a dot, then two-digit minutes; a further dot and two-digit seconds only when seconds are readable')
2.16
